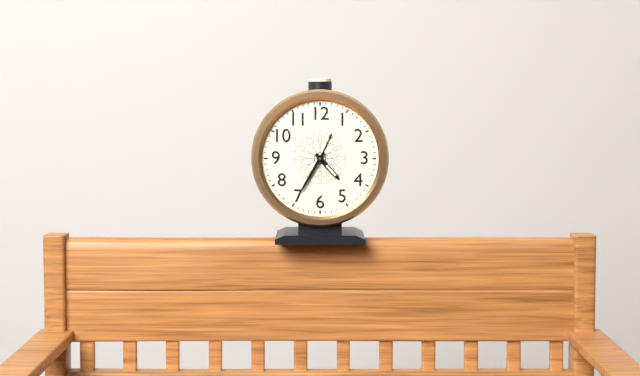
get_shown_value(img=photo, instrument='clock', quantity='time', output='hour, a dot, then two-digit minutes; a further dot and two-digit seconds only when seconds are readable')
4.35
